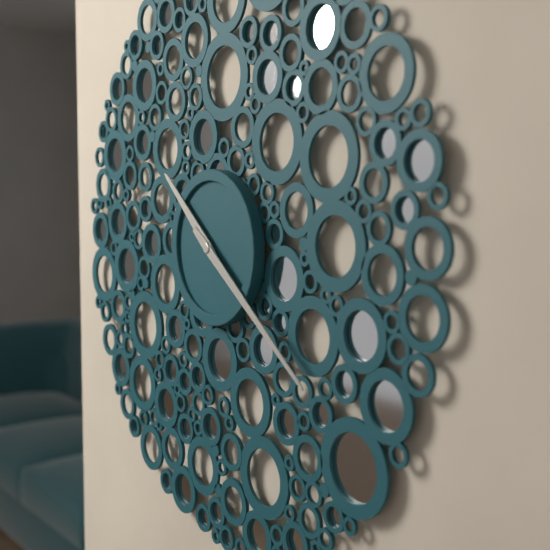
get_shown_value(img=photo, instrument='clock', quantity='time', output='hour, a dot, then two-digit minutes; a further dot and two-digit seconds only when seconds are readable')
10.21
